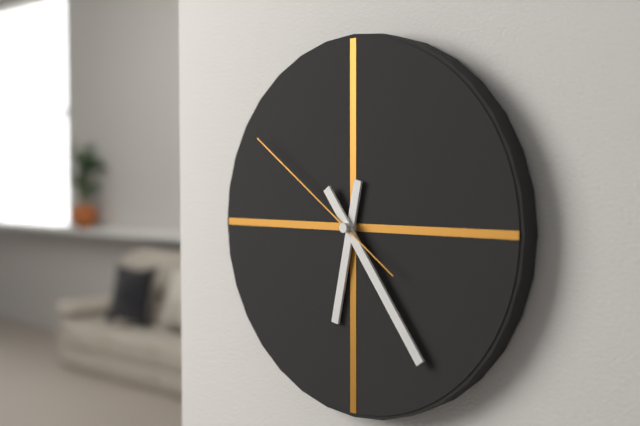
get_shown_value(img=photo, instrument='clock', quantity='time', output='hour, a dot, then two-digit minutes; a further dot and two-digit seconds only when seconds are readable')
6.24.51
